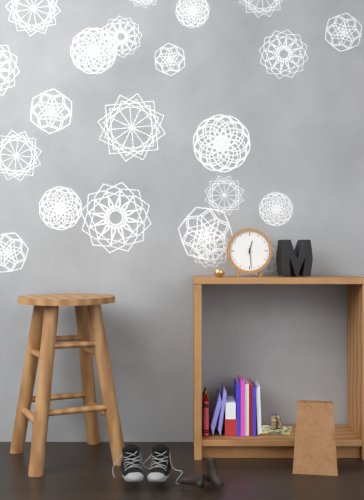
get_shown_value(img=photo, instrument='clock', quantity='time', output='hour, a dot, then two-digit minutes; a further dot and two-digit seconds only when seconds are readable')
12.29
